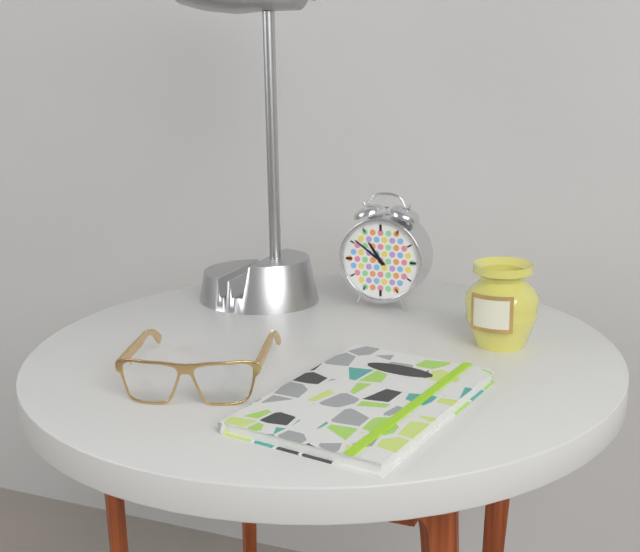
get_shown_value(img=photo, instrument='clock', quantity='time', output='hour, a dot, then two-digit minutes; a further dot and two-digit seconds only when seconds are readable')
10.51
